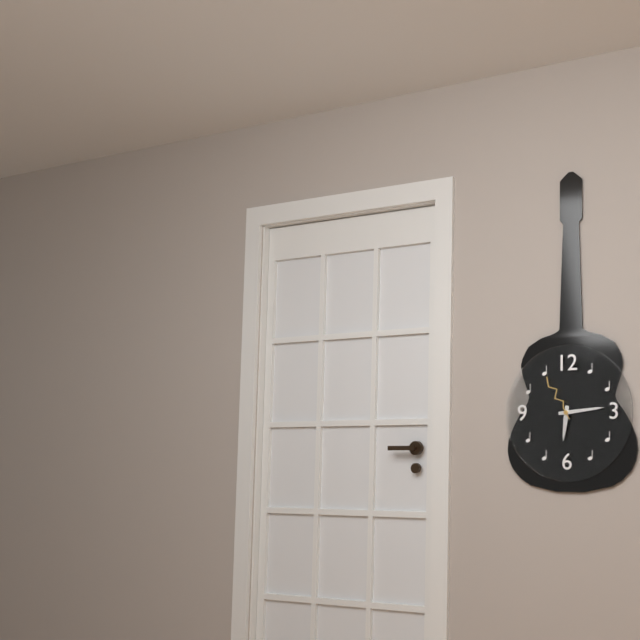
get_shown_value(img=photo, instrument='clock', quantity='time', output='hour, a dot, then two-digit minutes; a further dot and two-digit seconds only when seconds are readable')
6.14.55
